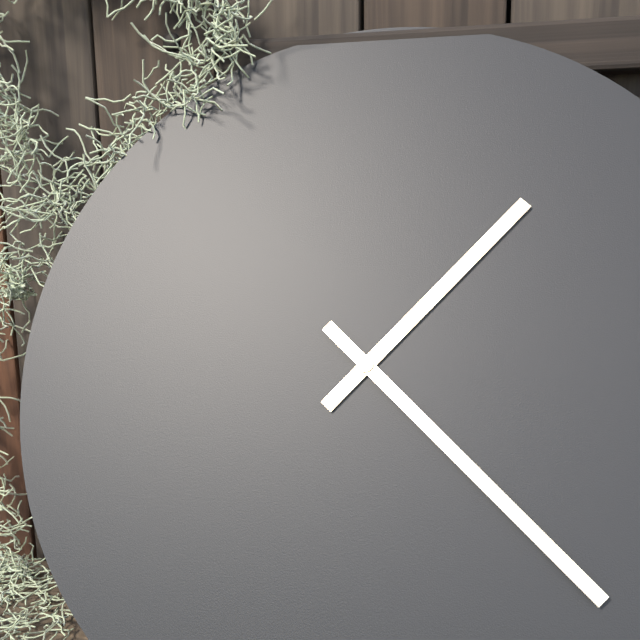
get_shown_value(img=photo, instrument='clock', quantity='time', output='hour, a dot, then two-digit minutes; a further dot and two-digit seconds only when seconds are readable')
1.22
